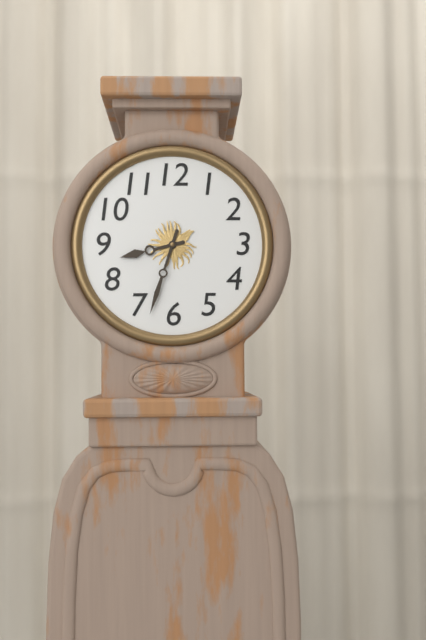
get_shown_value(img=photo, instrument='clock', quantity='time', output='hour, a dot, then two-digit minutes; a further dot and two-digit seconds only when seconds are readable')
8.33
